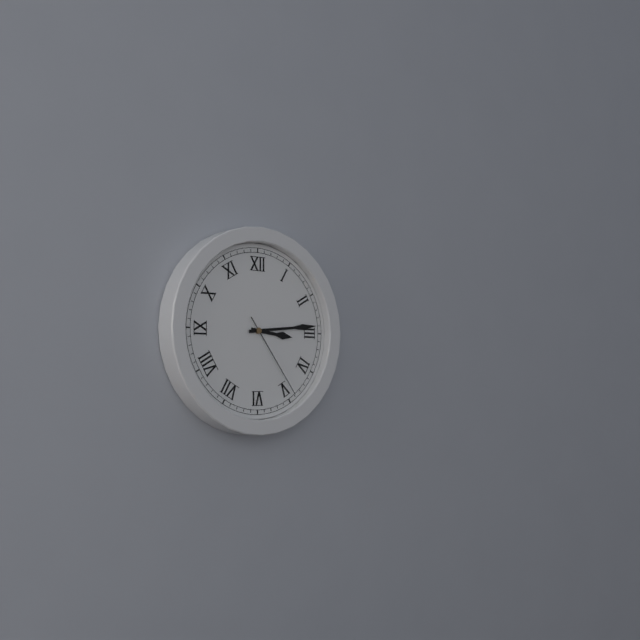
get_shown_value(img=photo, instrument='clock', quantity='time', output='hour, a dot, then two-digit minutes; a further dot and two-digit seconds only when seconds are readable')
3.14.24
